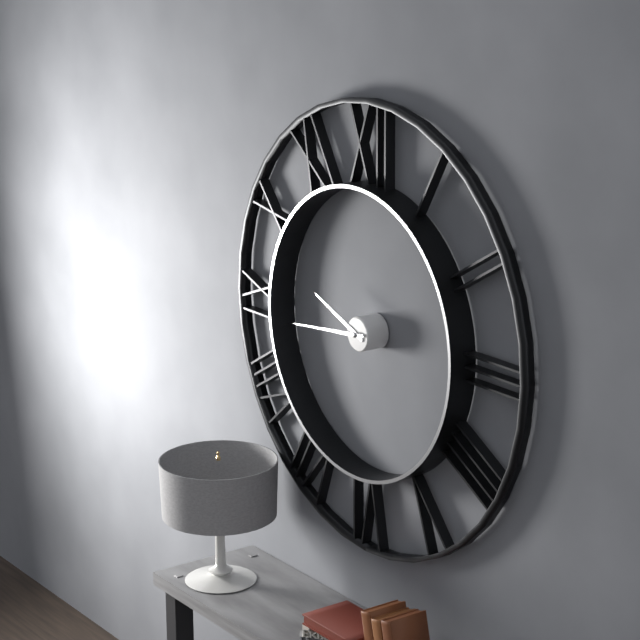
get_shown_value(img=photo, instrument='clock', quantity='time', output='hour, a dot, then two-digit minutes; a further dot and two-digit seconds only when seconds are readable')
9.44
